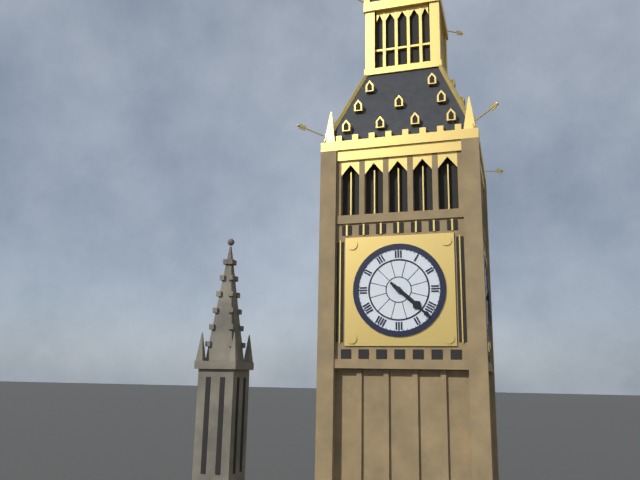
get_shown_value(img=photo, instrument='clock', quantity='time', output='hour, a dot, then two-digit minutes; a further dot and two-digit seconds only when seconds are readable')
4.22
